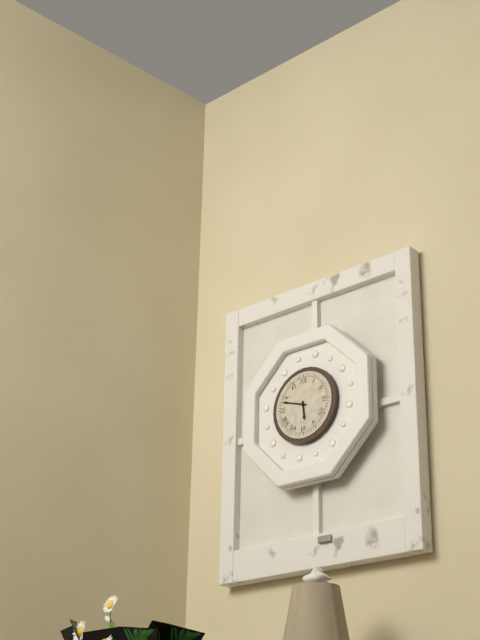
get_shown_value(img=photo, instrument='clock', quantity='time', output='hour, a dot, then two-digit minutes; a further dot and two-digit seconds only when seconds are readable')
5.48
